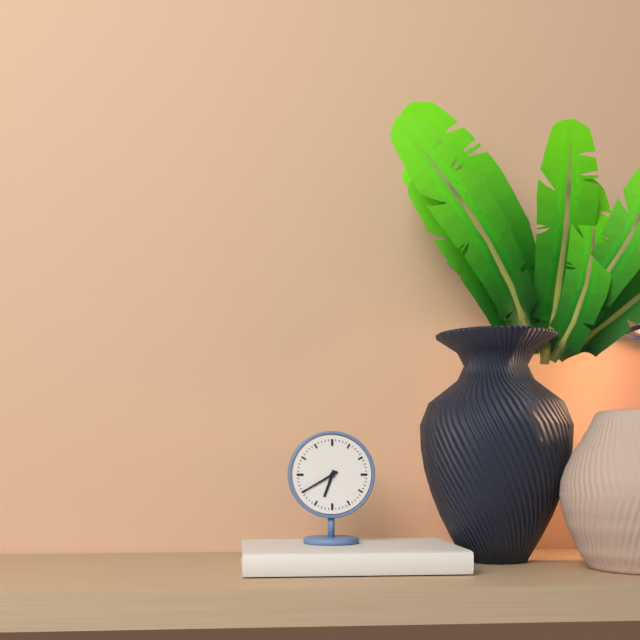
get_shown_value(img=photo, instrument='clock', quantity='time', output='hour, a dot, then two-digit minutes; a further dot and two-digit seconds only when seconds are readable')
6.40
